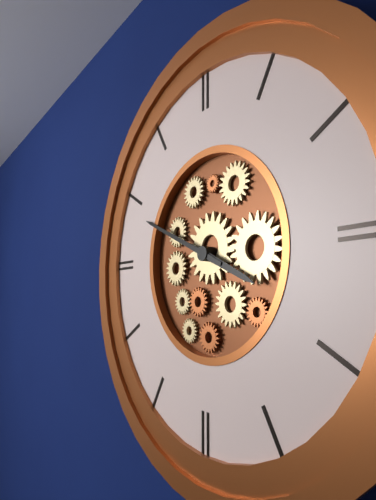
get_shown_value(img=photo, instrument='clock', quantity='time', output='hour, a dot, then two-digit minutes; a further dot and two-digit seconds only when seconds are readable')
3.49
